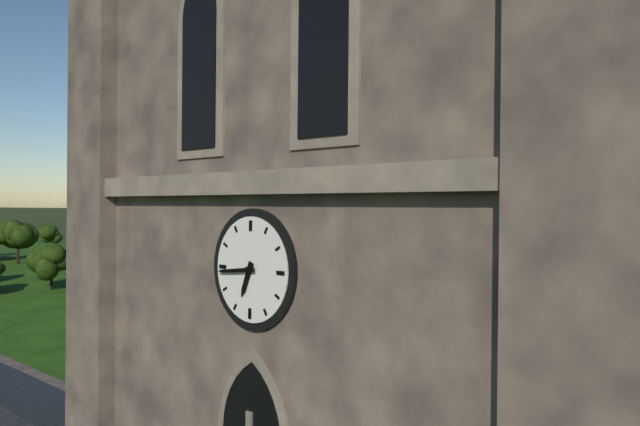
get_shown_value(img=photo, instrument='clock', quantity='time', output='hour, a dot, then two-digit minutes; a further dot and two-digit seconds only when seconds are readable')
6.44
